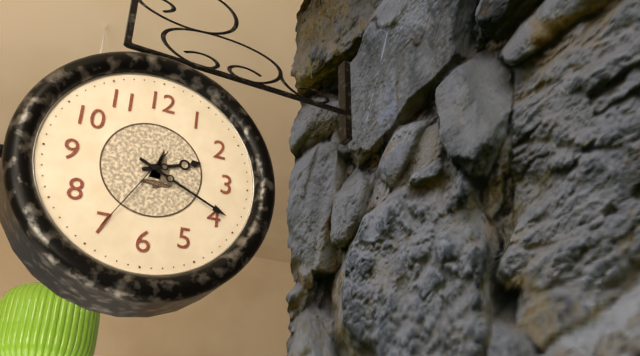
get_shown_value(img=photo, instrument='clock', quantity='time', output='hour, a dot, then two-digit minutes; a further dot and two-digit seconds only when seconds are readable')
2.19.35
